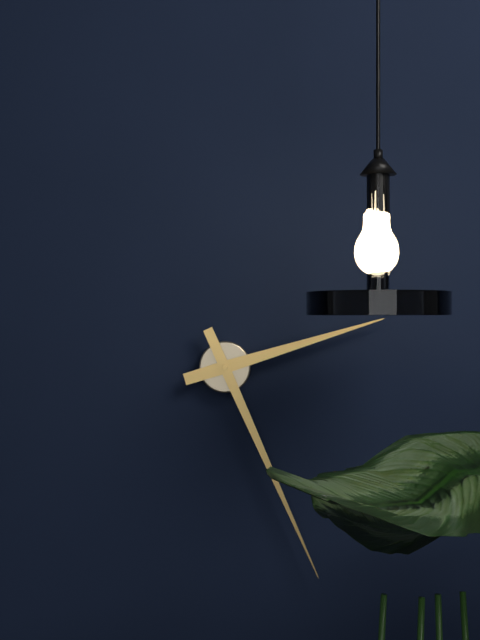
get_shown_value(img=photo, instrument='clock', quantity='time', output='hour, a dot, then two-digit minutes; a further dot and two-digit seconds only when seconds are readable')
2.26
